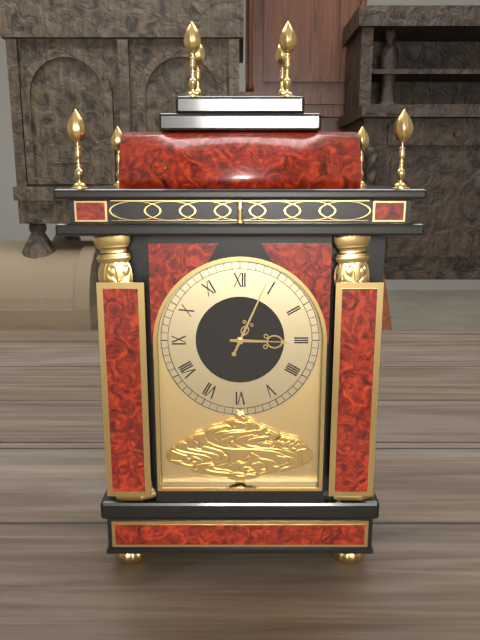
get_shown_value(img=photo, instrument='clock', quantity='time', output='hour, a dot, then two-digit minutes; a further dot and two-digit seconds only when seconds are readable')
3.04
